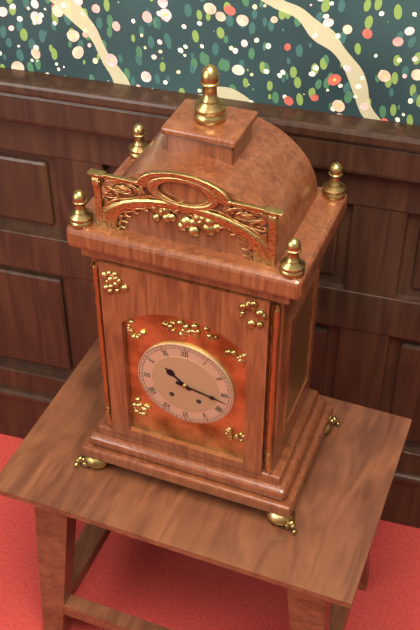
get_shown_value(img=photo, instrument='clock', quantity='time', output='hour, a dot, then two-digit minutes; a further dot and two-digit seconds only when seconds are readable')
10.17
